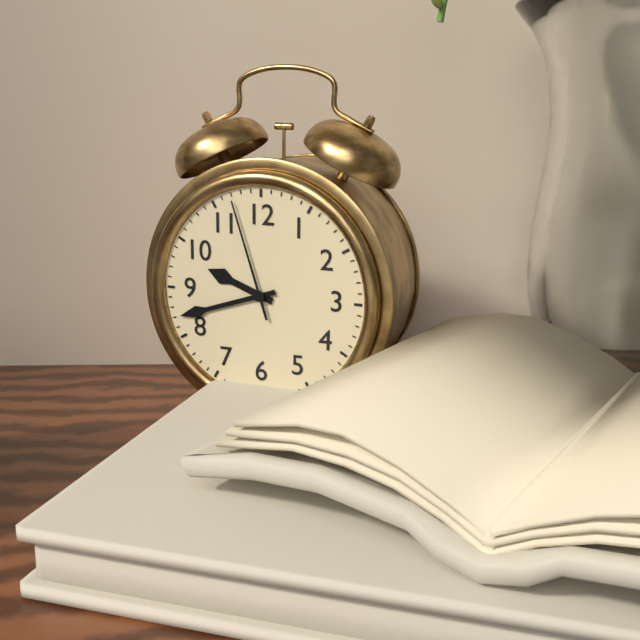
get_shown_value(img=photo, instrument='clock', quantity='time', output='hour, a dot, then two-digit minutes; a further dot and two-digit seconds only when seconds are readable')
9.42.57
